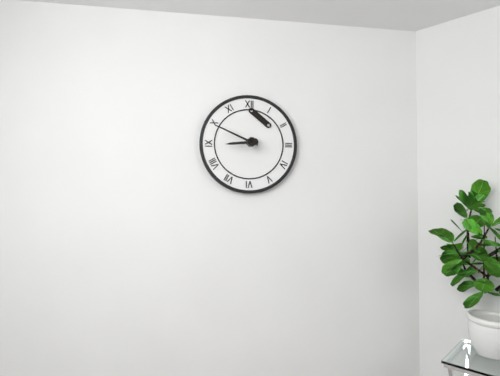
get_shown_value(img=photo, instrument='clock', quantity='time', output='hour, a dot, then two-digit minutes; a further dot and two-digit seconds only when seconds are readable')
8.49
